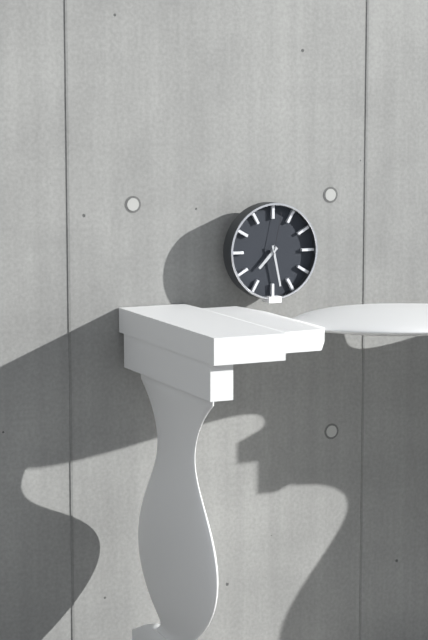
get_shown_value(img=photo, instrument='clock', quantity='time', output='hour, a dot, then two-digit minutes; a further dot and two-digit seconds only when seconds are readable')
7.28
